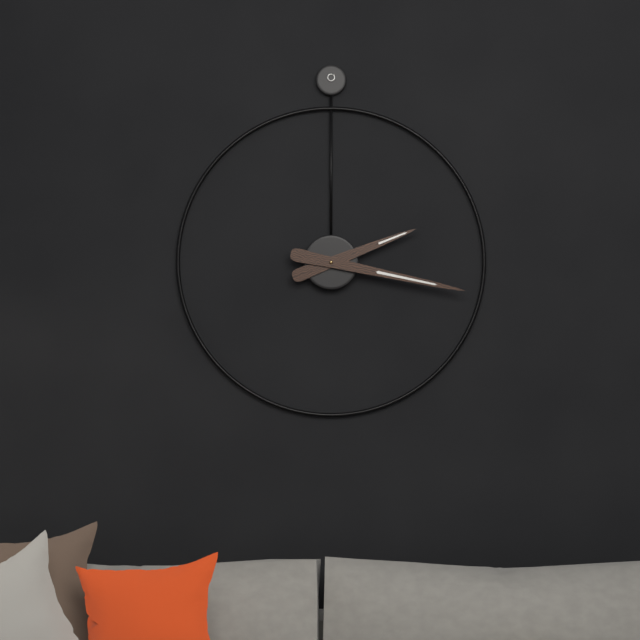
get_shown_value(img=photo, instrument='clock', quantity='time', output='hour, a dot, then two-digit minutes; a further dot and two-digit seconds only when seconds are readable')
2.17
